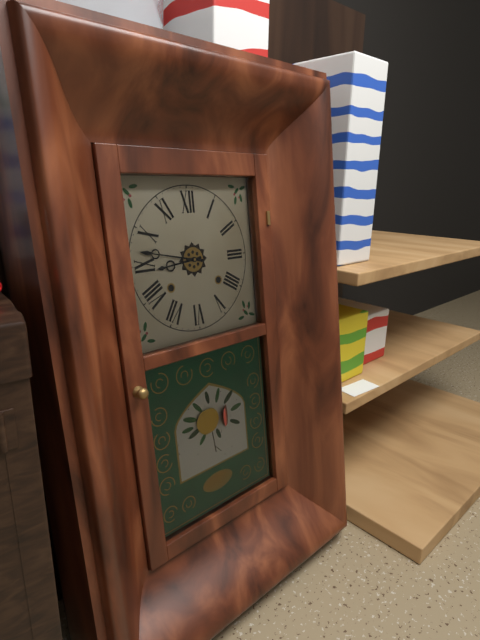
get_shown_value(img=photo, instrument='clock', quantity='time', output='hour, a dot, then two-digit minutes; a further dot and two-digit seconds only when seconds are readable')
8.47
